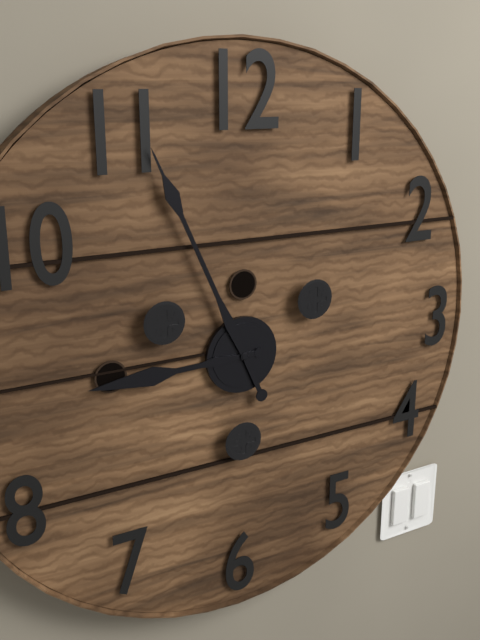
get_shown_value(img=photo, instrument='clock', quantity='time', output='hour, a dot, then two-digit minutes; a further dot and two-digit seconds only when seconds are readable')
8.56
